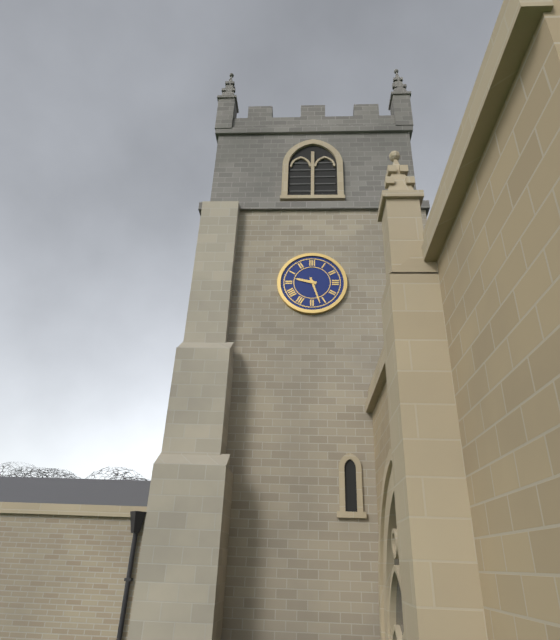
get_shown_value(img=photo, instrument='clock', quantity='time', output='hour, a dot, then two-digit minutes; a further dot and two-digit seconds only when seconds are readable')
9.27
